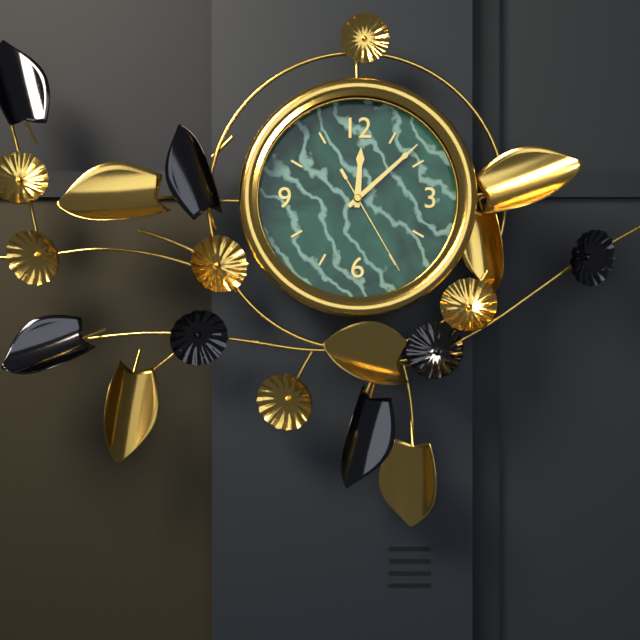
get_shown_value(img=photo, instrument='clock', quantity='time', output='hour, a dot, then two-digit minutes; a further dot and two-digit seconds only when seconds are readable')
12.08.25
